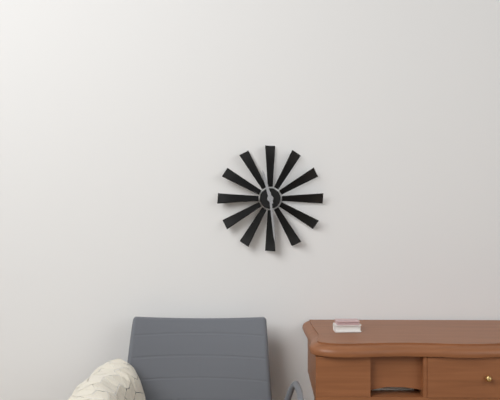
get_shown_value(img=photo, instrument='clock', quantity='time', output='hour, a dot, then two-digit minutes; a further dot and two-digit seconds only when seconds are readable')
11.29
